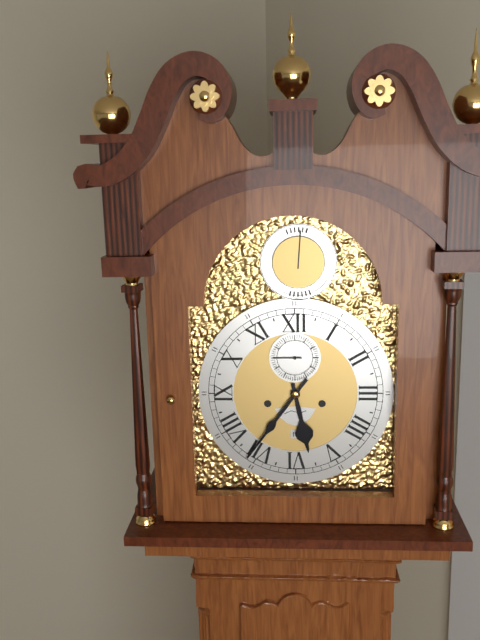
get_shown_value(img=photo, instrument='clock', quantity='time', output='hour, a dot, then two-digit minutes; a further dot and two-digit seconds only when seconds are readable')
5.36
